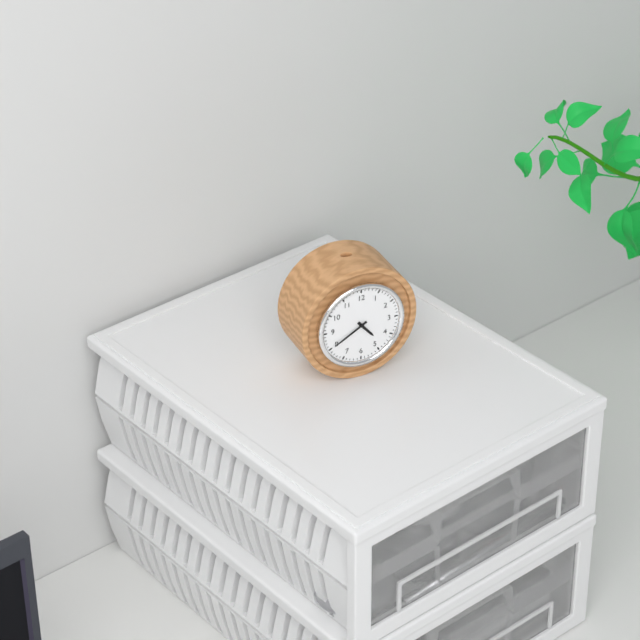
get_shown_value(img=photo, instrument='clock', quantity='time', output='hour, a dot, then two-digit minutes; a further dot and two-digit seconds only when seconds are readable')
4.40
